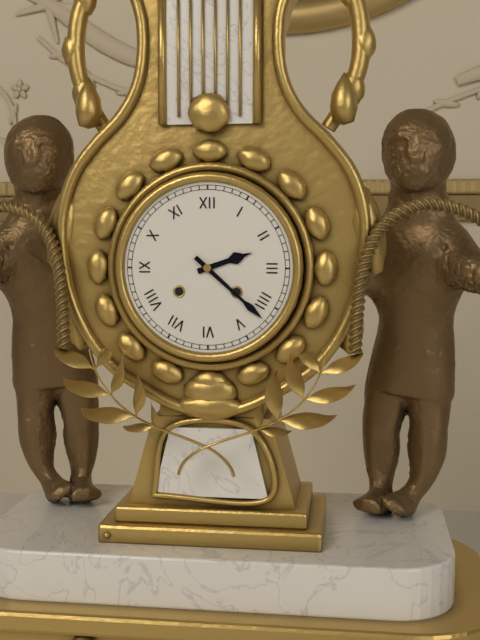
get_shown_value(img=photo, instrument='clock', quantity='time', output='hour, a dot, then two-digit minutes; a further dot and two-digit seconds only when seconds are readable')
2.22
